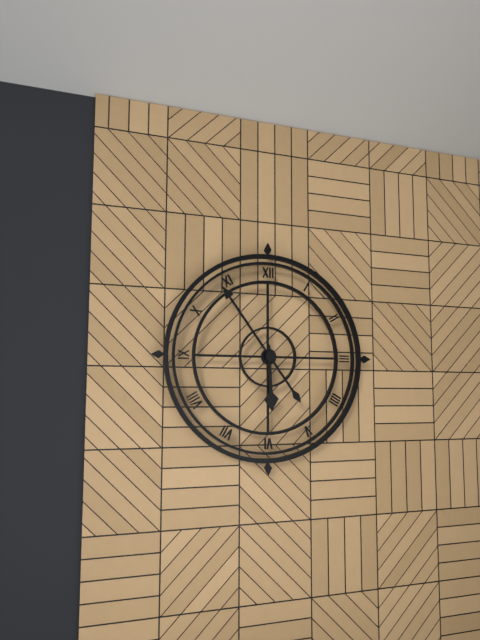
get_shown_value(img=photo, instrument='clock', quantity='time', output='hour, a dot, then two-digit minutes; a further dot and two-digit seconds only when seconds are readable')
5.54
